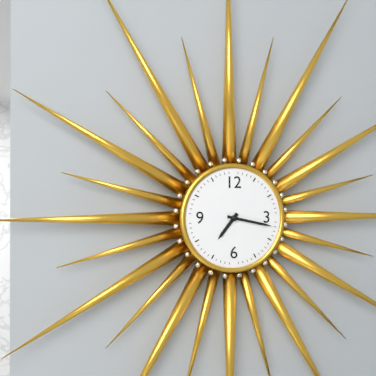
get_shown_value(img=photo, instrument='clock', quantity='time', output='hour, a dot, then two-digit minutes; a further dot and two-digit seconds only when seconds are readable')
7.17
